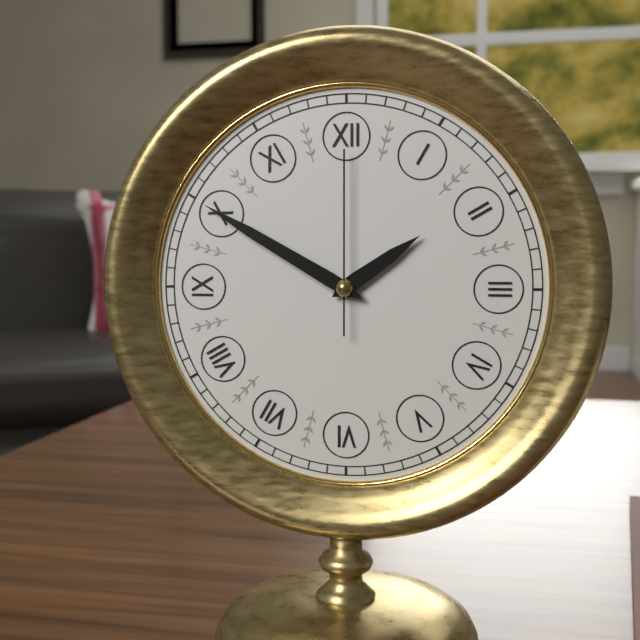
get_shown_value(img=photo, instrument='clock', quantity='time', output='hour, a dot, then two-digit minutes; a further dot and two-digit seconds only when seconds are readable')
1.50.00
